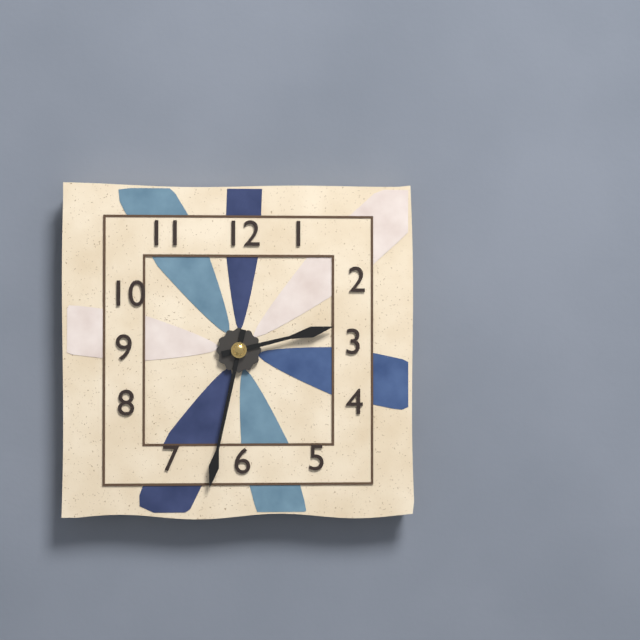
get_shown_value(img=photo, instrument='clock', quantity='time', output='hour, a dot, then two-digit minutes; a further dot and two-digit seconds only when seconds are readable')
2.32
